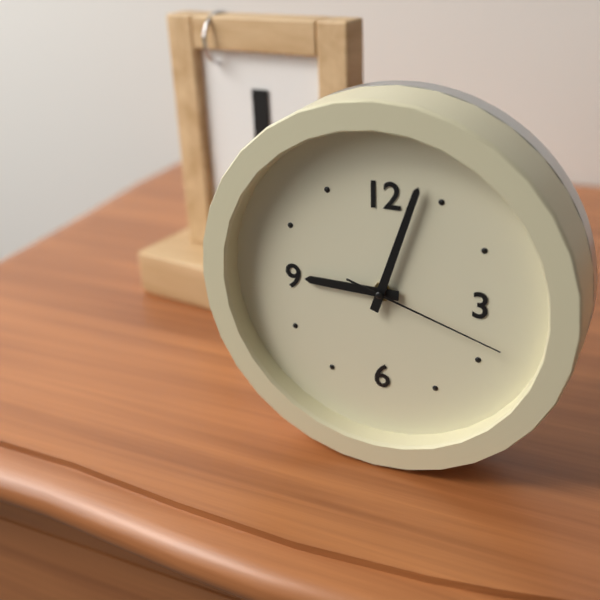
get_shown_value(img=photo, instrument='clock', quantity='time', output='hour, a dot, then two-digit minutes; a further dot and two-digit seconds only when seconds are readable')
9.03.18
